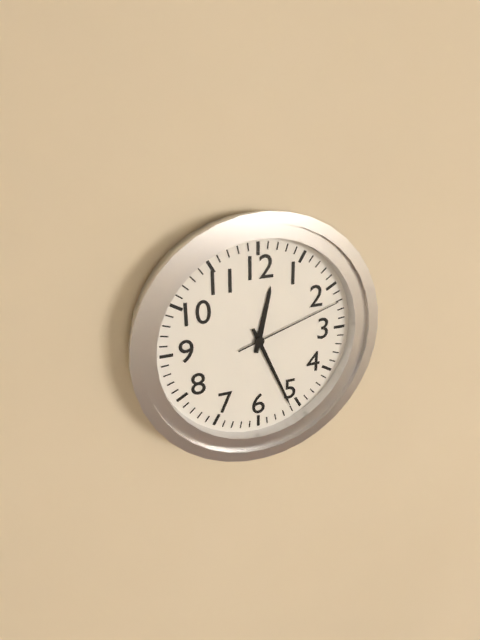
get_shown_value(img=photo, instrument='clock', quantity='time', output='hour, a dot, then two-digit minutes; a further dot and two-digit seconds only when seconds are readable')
12.26.12
